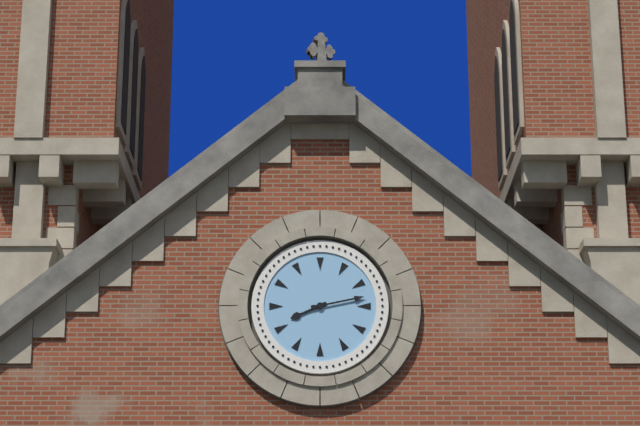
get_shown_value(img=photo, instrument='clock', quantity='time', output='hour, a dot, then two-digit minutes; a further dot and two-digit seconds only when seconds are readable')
8.13
